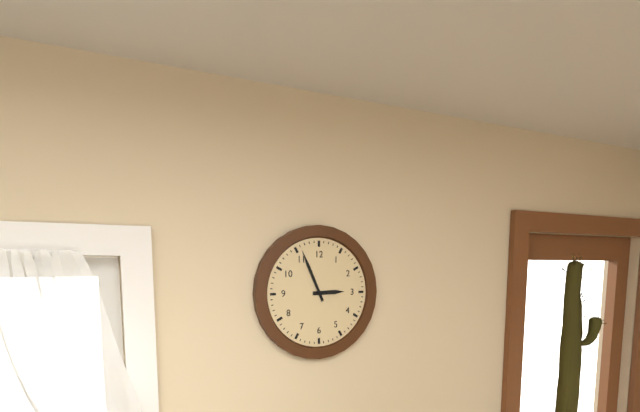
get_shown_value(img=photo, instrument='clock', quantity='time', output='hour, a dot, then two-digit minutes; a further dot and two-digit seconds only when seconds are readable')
2.56
